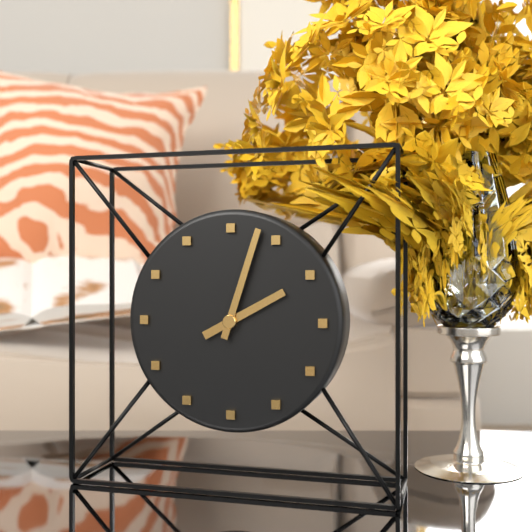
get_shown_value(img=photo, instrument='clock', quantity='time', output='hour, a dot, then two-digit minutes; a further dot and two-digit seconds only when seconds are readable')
2.03
